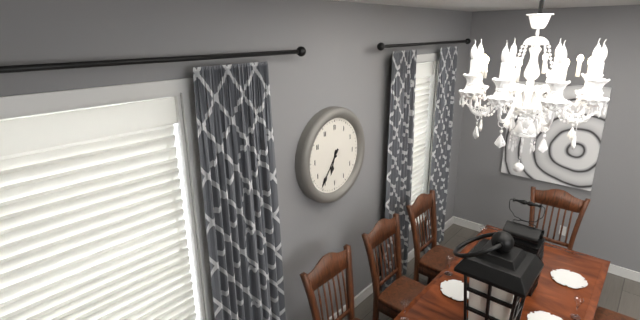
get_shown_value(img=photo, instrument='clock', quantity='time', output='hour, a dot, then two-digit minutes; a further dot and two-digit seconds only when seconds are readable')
6.36
